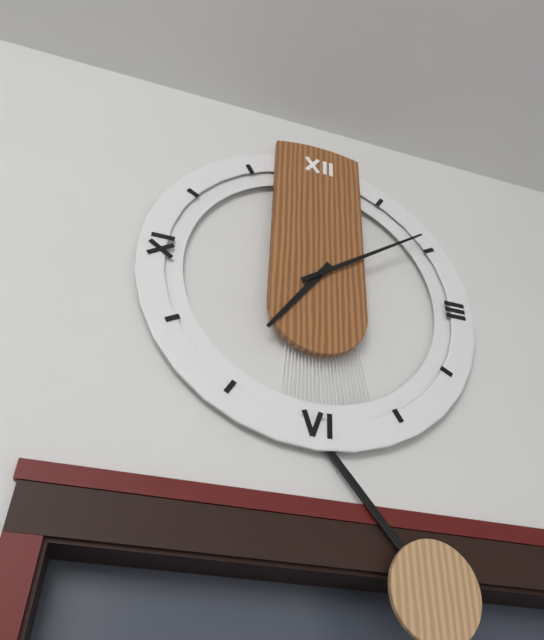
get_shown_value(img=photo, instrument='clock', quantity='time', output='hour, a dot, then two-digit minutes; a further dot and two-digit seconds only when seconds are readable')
7.09
